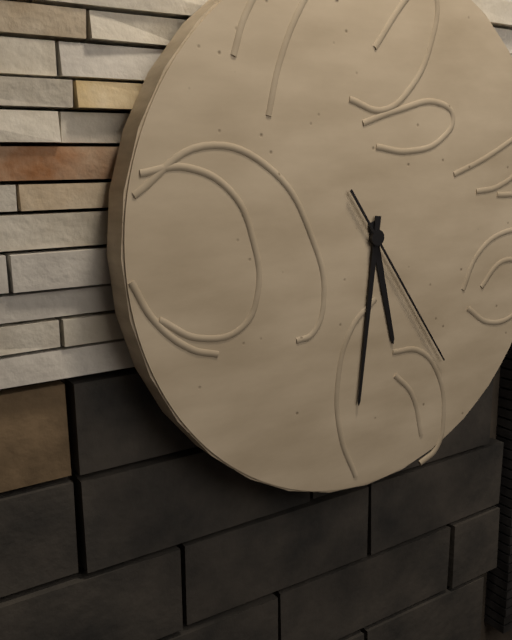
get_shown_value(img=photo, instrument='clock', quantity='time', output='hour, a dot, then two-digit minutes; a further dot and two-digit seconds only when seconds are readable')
5.31.24
